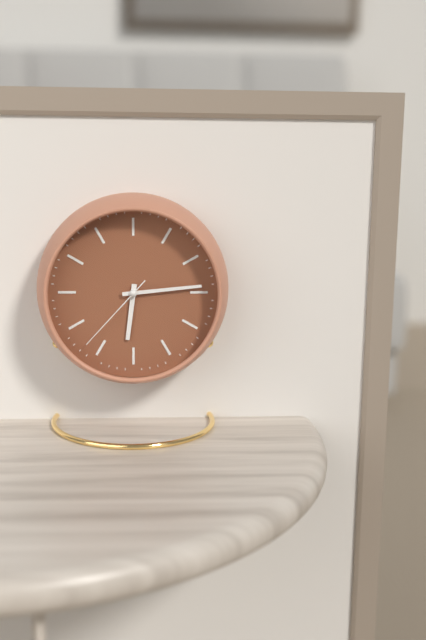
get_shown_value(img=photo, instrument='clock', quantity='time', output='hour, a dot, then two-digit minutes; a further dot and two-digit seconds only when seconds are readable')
6.14.37
